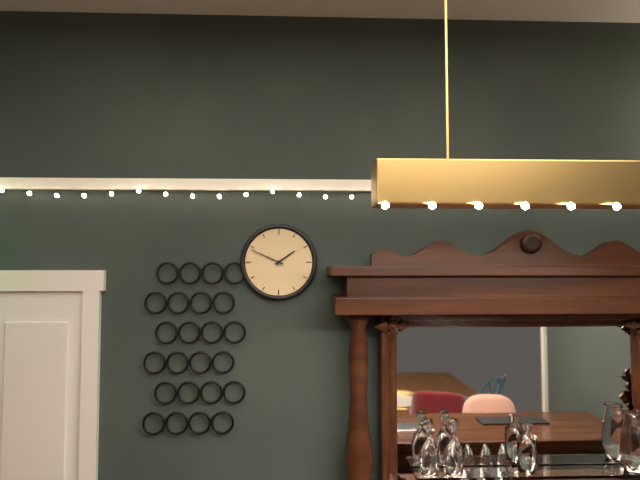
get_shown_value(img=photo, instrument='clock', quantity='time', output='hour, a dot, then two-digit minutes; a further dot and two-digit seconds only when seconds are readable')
1.49
